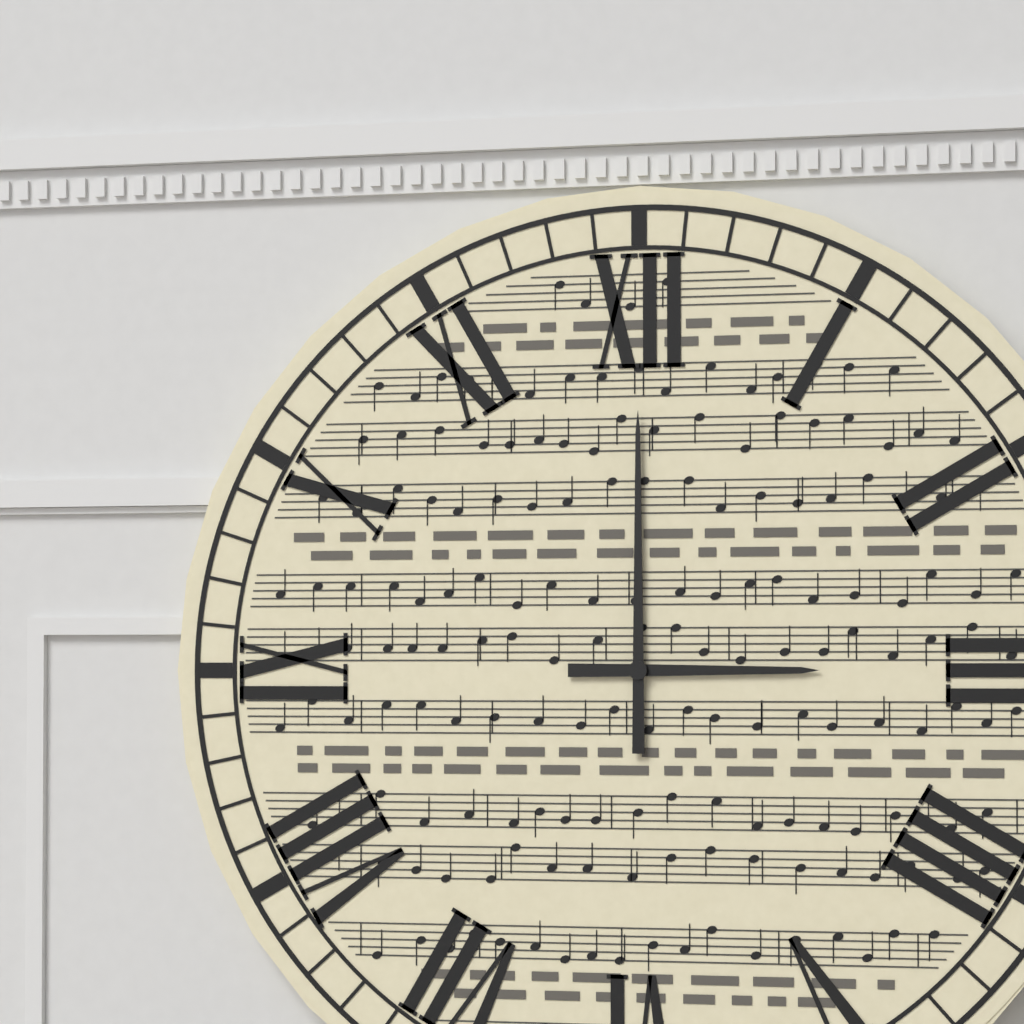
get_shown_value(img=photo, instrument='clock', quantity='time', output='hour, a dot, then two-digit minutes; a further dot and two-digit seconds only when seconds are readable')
3.00
